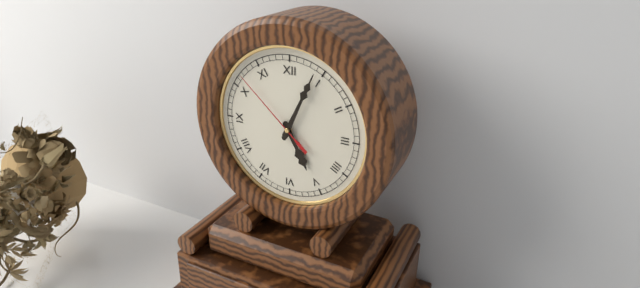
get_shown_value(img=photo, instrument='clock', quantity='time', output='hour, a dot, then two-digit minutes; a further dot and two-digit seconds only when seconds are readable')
5.04.52
